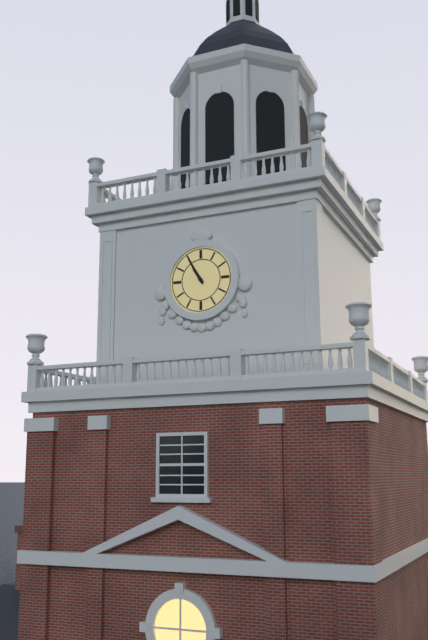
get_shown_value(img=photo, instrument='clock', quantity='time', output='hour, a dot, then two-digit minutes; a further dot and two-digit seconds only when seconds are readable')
10.55
